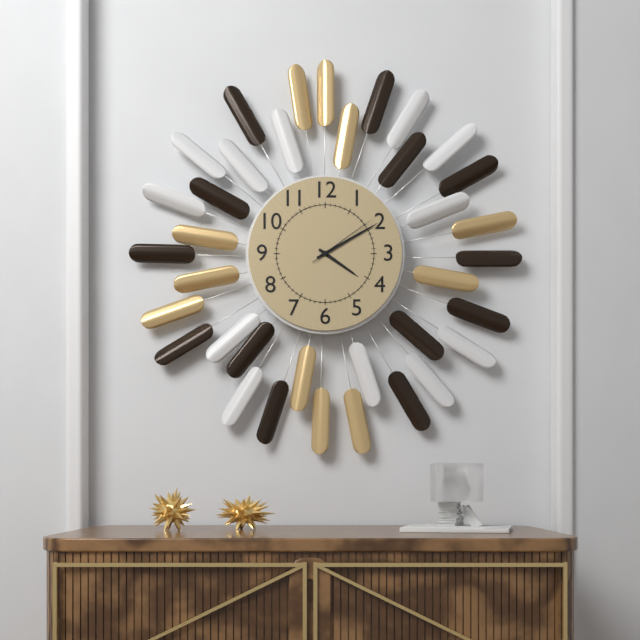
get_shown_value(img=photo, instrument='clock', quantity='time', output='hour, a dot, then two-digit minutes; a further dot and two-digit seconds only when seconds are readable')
4.10.09
